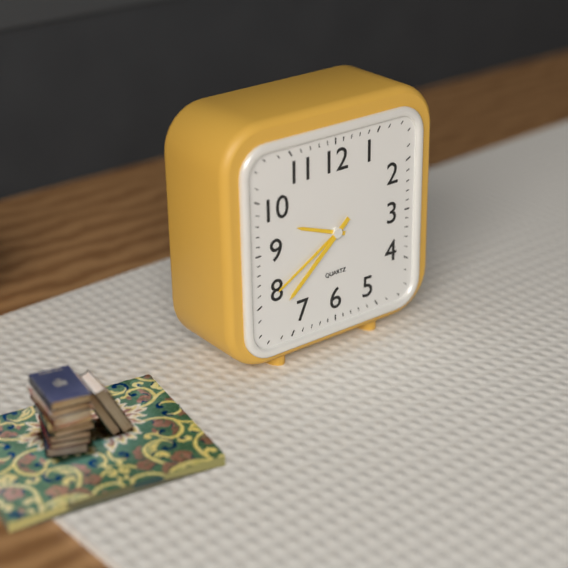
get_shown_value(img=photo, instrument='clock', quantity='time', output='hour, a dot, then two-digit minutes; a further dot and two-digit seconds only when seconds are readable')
9.40.38
